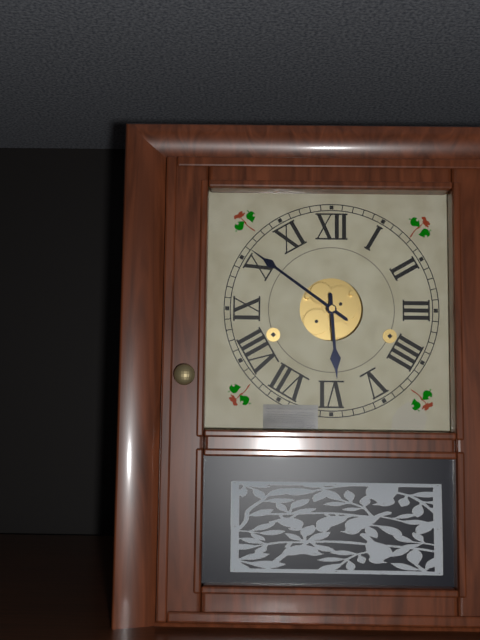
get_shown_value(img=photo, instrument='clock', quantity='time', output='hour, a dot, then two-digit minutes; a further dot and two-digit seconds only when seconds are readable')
5.51
